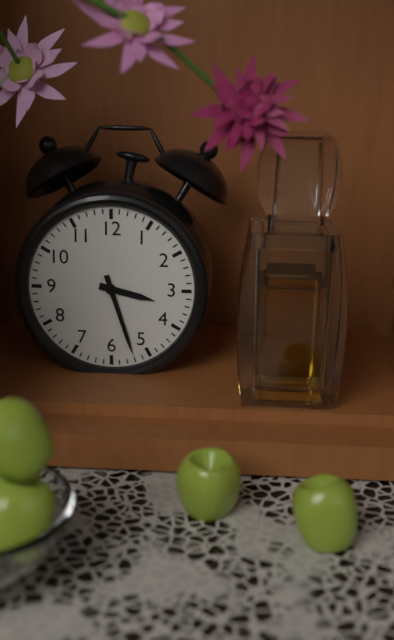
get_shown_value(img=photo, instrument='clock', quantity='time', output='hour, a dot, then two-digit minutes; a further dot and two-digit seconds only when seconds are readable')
3.27
